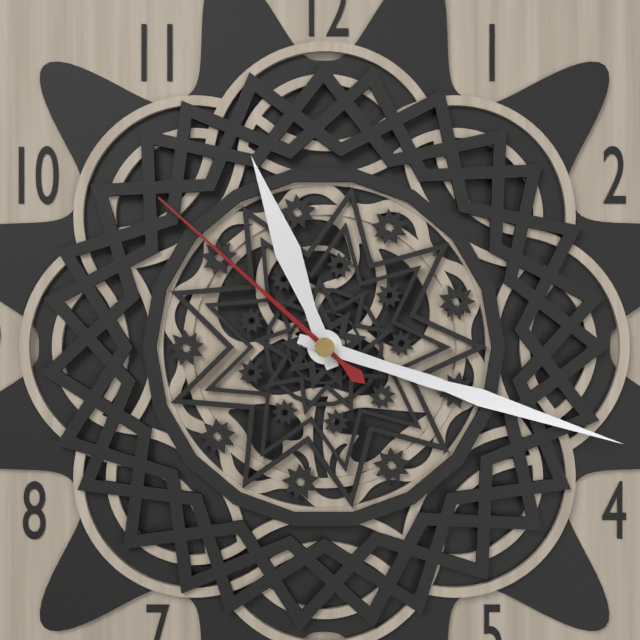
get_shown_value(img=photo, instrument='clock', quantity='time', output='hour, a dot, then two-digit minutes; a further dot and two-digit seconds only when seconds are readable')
11.18.52
